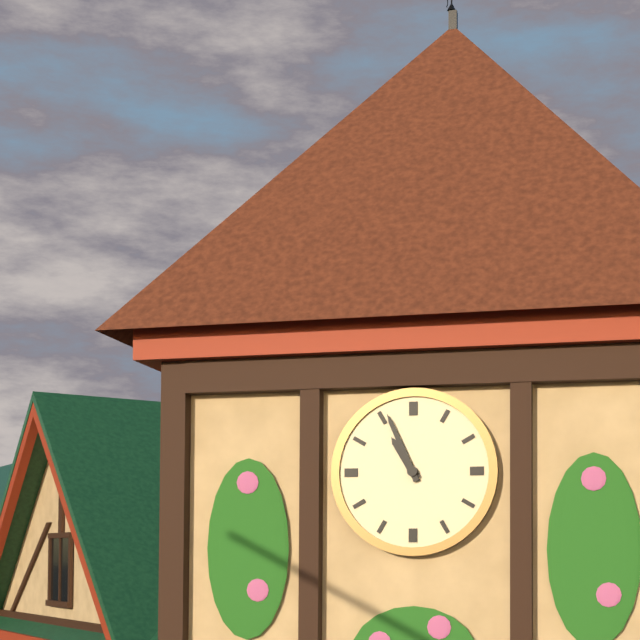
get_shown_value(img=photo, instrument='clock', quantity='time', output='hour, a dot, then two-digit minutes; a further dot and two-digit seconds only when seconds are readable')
10.56
